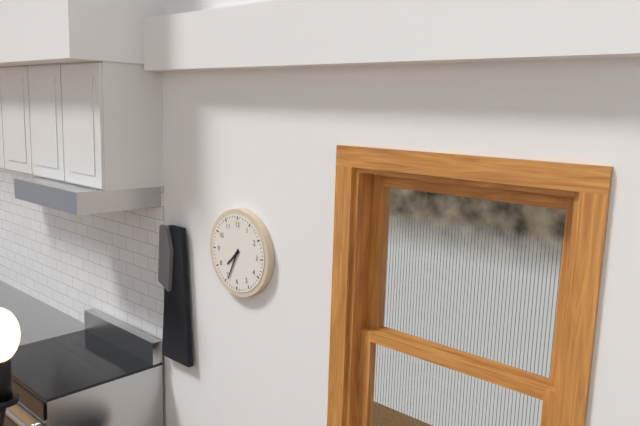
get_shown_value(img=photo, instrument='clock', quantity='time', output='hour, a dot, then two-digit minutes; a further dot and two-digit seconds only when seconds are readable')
7.34
